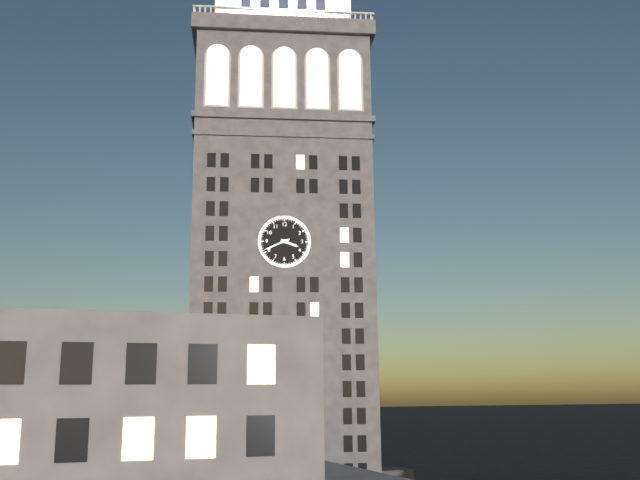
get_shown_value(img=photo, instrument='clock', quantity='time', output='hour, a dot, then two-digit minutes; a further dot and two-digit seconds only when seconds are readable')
3.41
